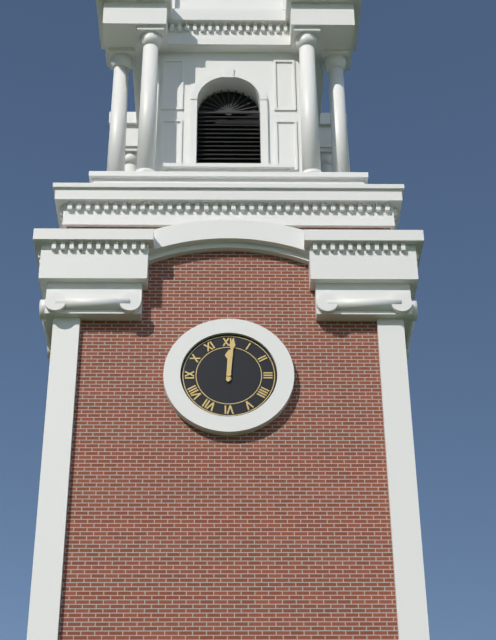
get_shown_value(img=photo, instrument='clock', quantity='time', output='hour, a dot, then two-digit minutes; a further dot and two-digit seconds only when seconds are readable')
12.01
